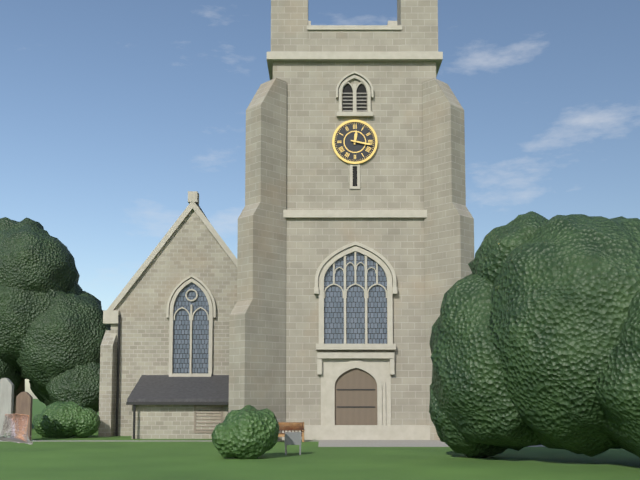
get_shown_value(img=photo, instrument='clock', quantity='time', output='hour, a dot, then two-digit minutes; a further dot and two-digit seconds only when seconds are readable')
12.17
